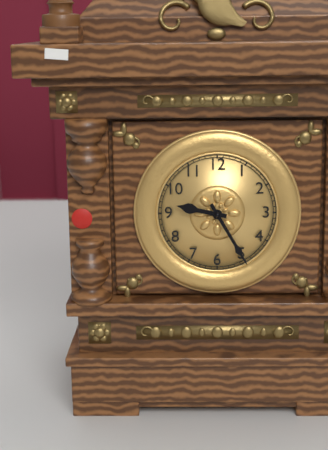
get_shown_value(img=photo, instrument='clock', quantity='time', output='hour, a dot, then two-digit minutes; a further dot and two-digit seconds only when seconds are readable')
9.25
